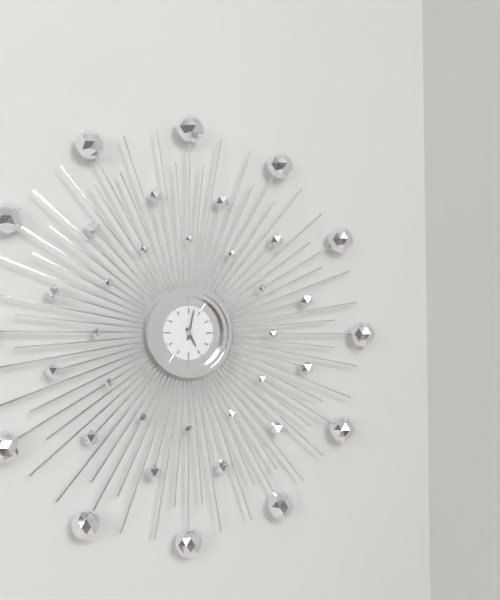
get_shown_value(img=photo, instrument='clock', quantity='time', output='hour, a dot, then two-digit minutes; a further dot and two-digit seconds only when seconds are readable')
5.02
